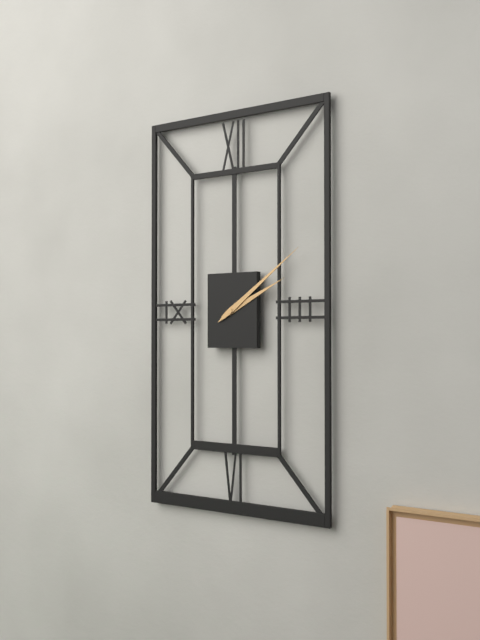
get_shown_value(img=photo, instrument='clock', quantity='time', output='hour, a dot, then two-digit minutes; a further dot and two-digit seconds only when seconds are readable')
2.09
